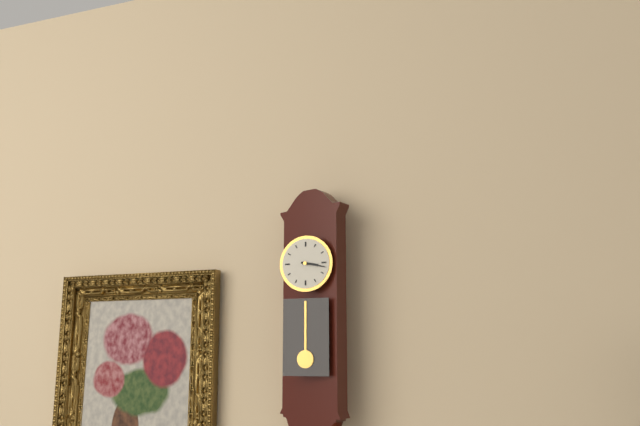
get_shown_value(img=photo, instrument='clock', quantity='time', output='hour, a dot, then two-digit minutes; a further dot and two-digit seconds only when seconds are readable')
3.17
